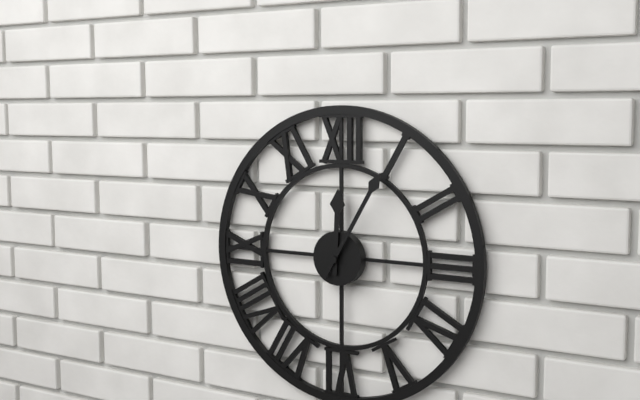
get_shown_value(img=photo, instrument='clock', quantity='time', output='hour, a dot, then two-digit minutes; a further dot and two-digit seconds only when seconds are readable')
12.05
